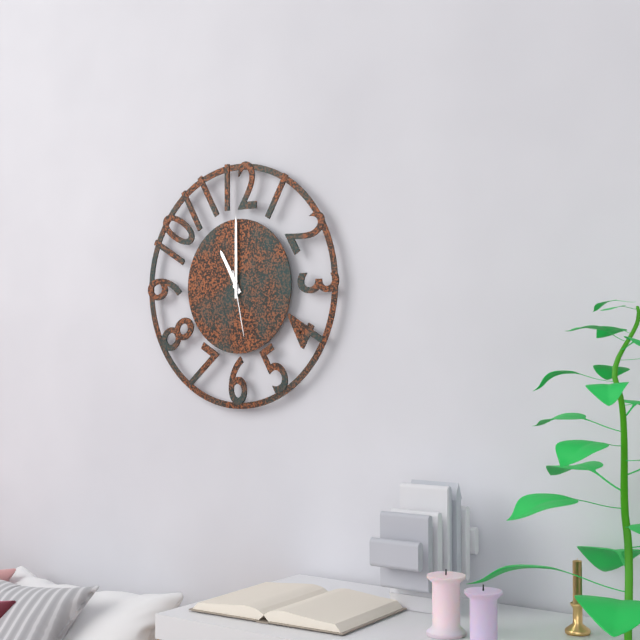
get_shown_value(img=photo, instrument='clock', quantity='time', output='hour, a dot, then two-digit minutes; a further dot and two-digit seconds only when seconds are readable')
11.00.28
